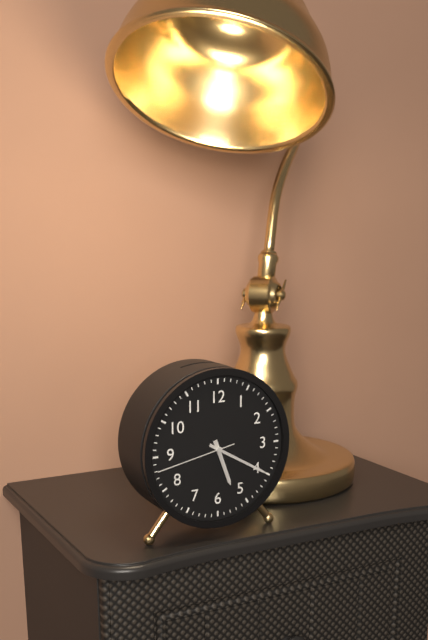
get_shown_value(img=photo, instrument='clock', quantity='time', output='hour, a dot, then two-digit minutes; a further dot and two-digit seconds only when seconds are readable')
5.20.43
